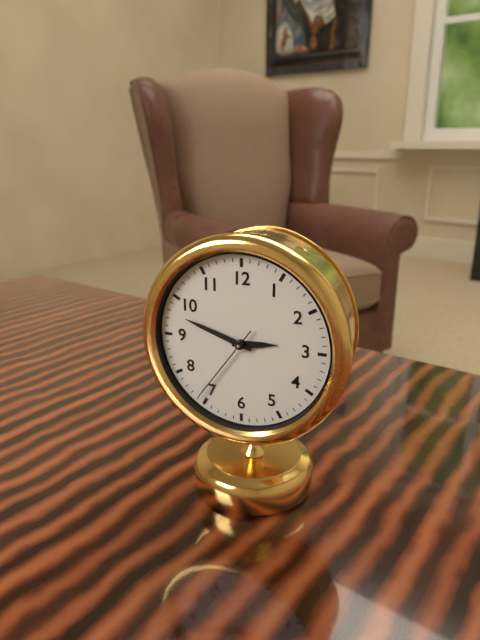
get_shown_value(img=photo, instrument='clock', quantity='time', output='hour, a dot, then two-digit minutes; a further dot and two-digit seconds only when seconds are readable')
2.48.36
